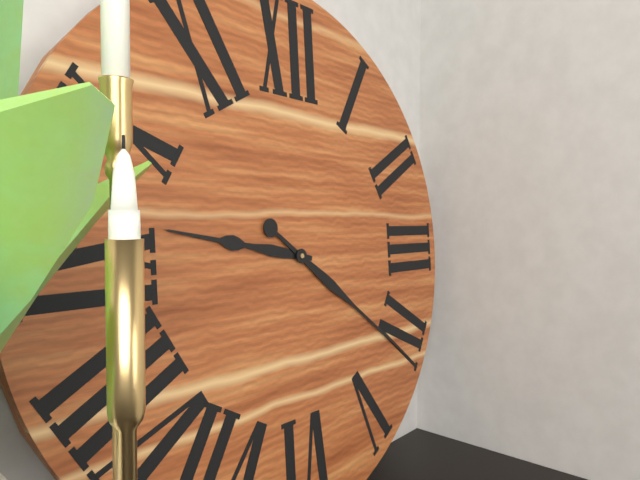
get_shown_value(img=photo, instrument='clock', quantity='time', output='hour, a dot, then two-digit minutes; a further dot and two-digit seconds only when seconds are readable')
9.21
